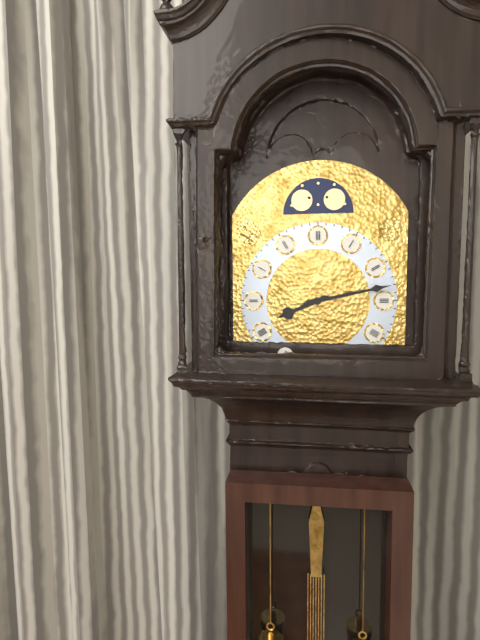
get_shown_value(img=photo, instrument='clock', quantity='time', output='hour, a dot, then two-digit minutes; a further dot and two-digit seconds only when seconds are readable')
8.13
